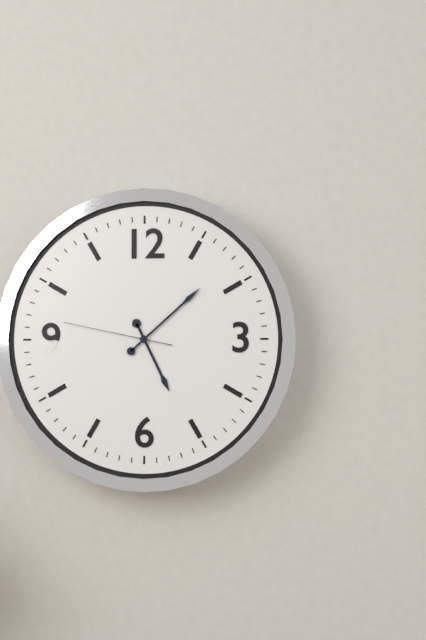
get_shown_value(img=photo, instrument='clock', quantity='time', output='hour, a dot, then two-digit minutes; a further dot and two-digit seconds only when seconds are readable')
5.08.47
